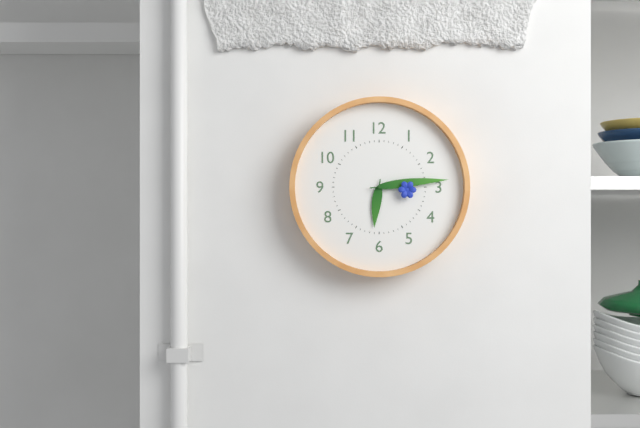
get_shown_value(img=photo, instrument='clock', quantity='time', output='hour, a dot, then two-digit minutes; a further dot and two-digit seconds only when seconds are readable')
6.14.16
